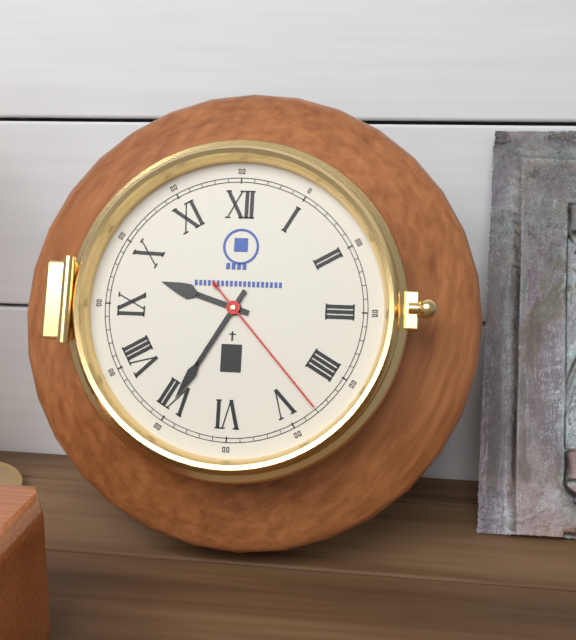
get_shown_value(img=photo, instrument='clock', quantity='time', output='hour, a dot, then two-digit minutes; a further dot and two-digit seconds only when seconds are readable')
9.35.23
